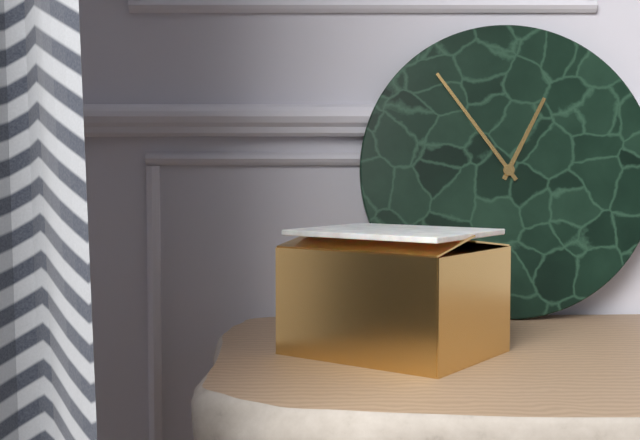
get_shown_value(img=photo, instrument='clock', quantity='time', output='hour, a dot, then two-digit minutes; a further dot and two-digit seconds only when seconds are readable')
12.54
